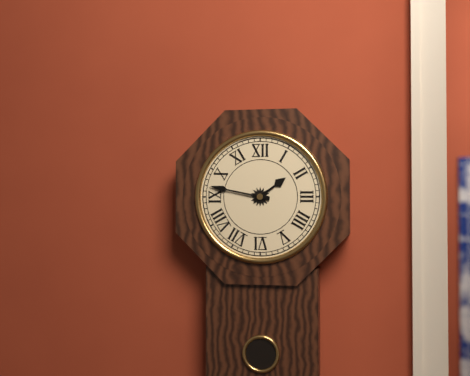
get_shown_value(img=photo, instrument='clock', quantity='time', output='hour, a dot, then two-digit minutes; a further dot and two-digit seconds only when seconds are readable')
1.47
